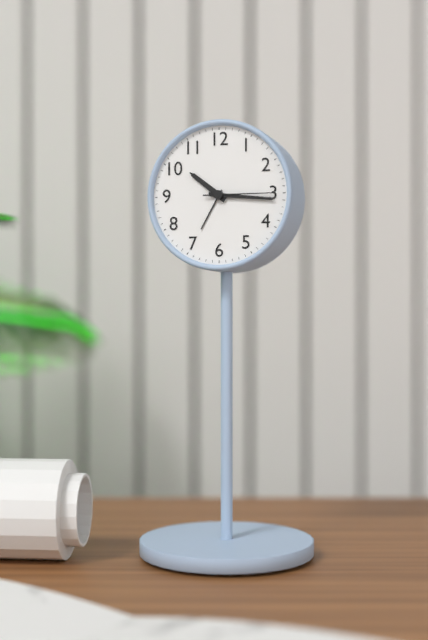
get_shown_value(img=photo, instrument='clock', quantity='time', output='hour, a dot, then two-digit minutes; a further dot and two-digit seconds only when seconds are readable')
10.16.15
